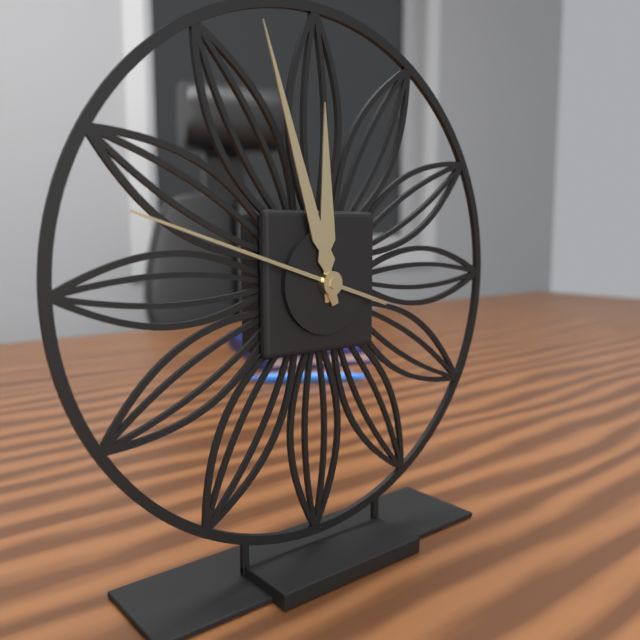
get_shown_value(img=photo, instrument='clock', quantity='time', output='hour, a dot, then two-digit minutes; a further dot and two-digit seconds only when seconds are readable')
11.57.48
